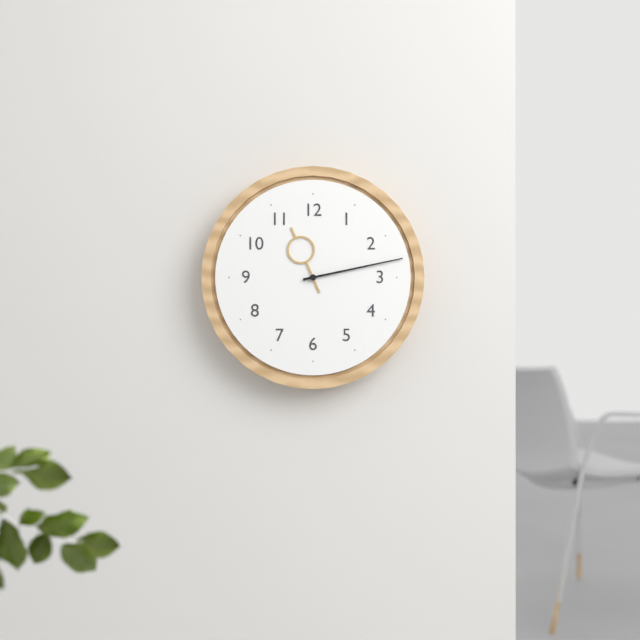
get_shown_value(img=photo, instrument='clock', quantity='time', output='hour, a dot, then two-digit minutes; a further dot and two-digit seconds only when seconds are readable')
11.13
